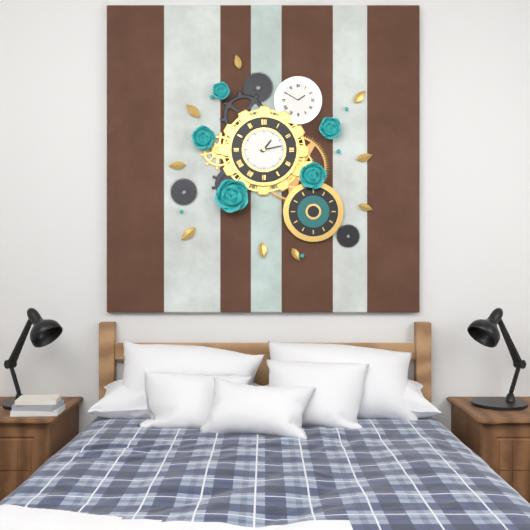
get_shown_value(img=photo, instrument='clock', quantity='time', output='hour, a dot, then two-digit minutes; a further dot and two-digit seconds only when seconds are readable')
1.13
